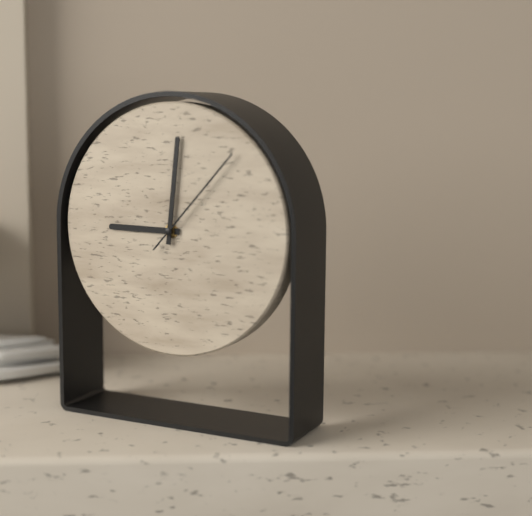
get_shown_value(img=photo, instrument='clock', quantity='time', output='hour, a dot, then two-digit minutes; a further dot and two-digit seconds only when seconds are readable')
9.01.07
